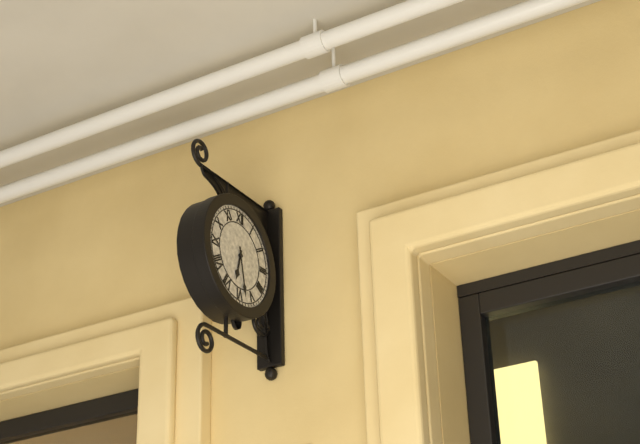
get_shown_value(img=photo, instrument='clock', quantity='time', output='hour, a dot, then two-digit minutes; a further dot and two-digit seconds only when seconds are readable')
6.28
